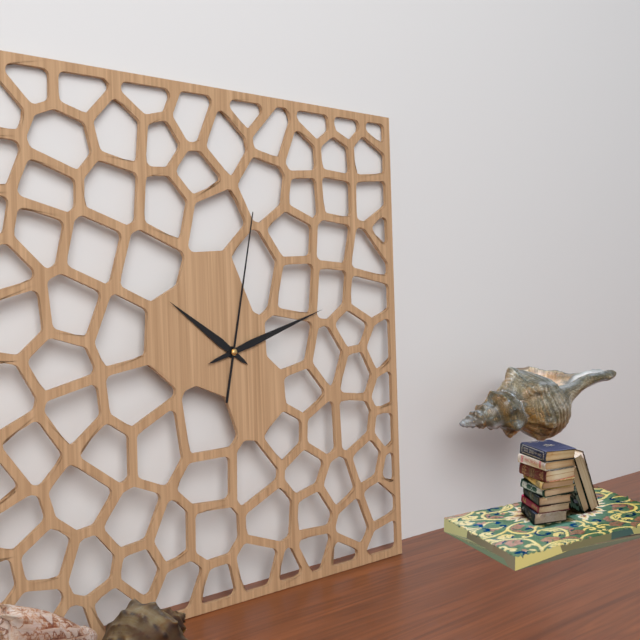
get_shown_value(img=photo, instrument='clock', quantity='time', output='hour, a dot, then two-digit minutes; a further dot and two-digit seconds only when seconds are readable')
10.12.02
